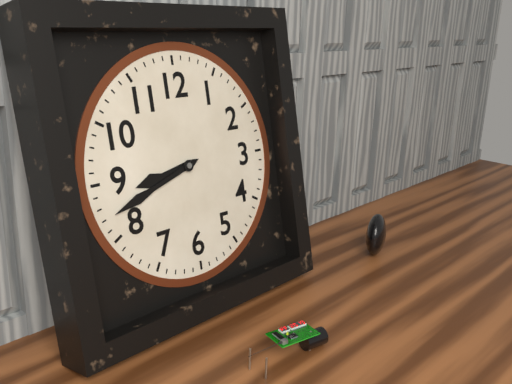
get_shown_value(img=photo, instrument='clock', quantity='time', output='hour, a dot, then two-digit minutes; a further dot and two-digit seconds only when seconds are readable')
8.42
